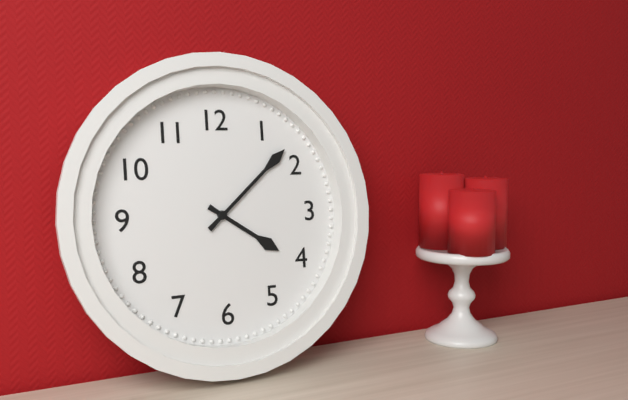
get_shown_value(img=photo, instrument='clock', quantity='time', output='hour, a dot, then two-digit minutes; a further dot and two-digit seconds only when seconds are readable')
4.08
